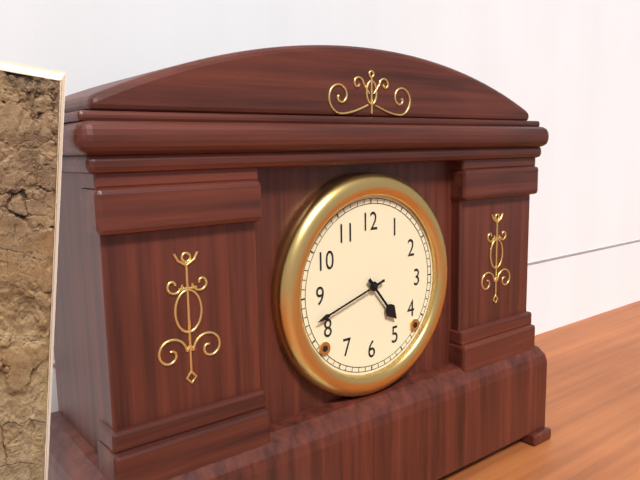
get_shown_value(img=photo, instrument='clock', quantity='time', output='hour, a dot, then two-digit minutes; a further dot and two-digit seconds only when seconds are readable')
4.42
